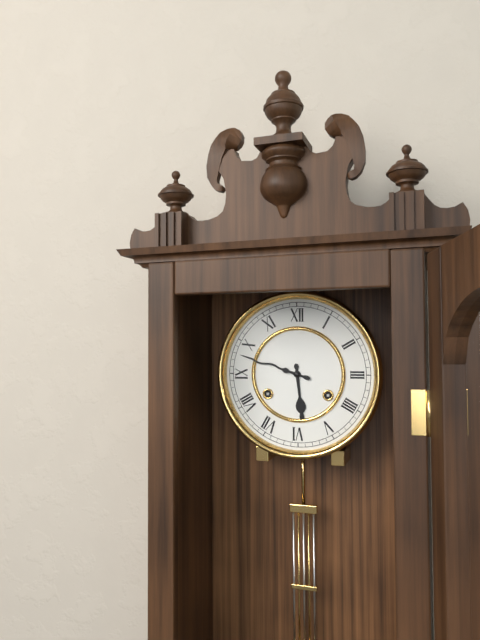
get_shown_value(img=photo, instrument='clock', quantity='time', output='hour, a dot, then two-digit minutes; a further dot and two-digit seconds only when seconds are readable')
5.48
